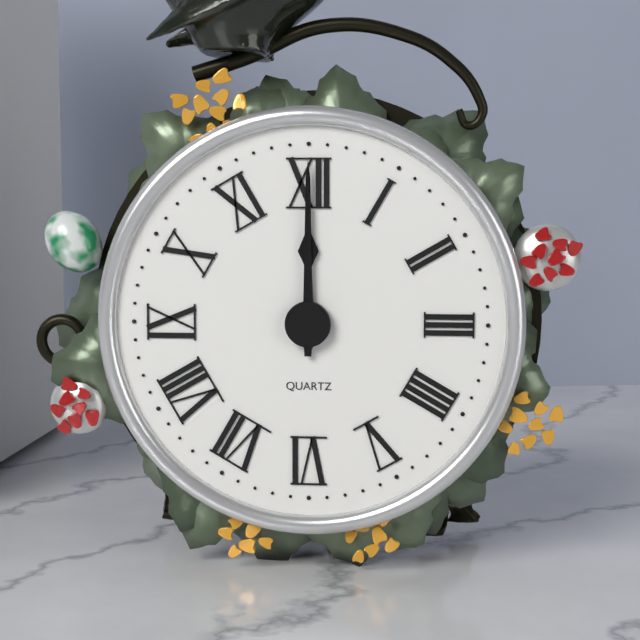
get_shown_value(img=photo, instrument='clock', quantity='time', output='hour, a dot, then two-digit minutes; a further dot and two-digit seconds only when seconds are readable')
12.00
